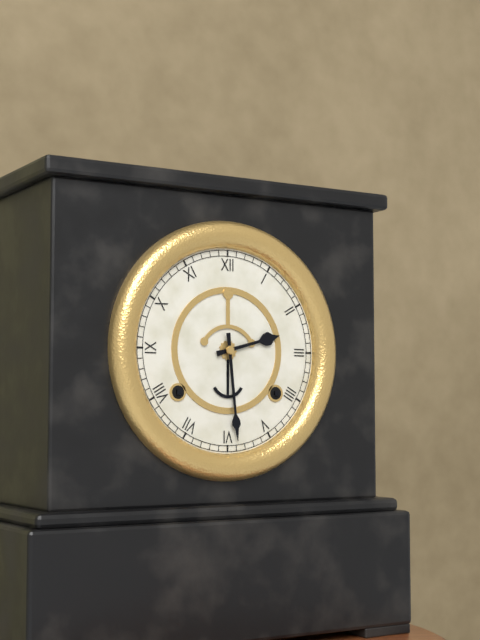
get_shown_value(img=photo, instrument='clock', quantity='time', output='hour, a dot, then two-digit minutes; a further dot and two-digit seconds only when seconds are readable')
2.29
